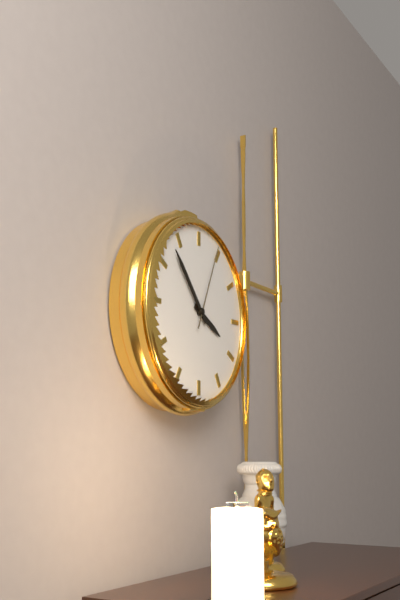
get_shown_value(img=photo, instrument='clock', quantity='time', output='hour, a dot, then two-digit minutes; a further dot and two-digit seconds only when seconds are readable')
3.53.04
